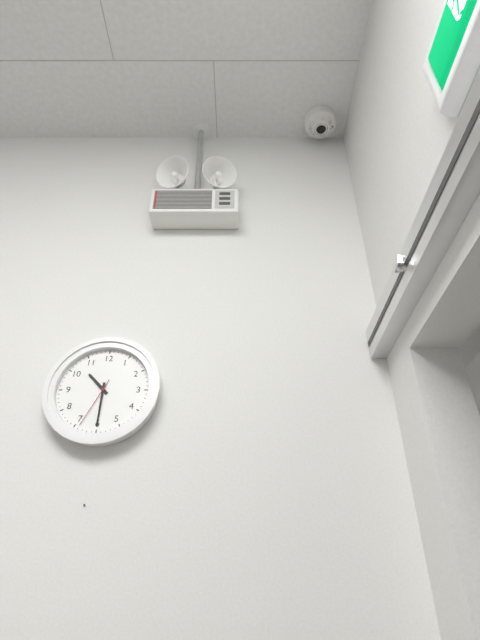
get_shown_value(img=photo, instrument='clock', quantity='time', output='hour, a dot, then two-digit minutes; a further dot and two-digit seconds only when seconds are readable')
10.30.34
